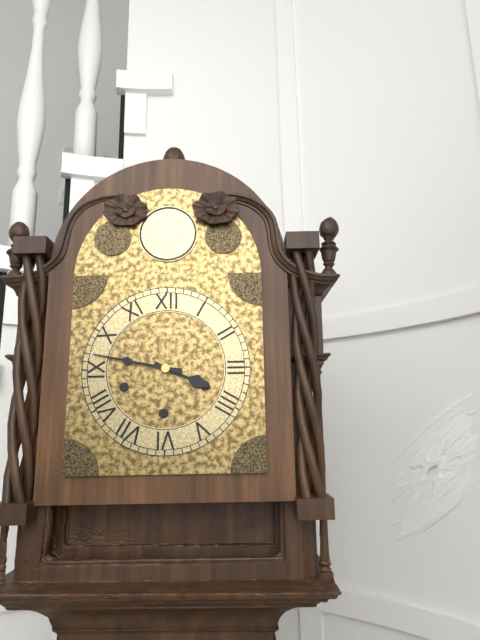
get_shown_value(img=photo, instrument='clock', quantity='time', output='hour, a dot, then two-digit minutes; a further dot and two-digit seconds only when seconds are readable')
3.47
